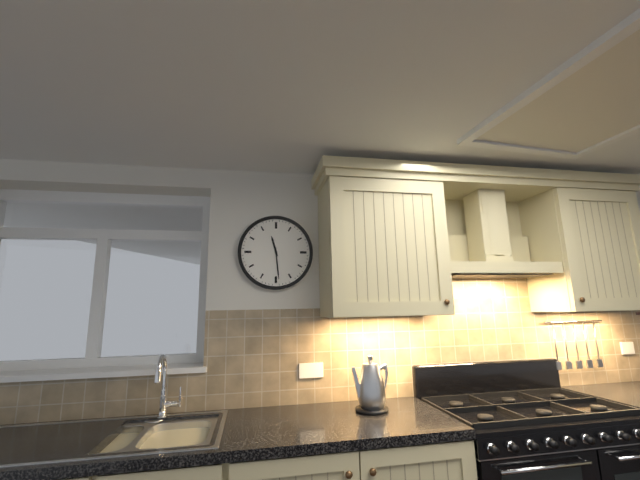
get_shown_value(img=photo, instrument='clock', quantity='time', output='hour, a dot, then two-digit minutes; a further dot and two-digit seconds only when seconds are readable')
11.29
